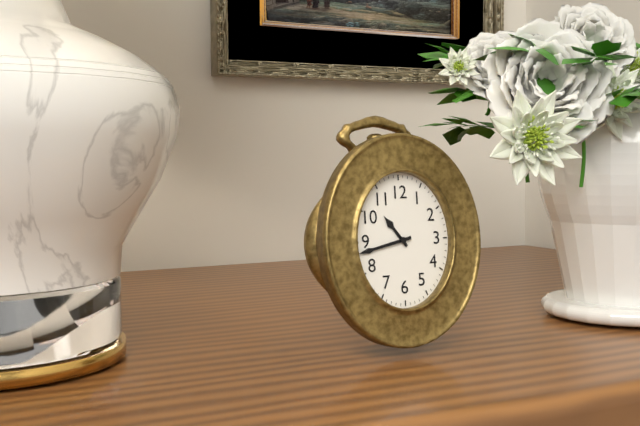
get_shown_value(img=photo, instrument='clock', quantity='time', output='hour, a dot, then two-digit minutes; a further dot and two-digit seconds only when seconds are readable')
10.43
